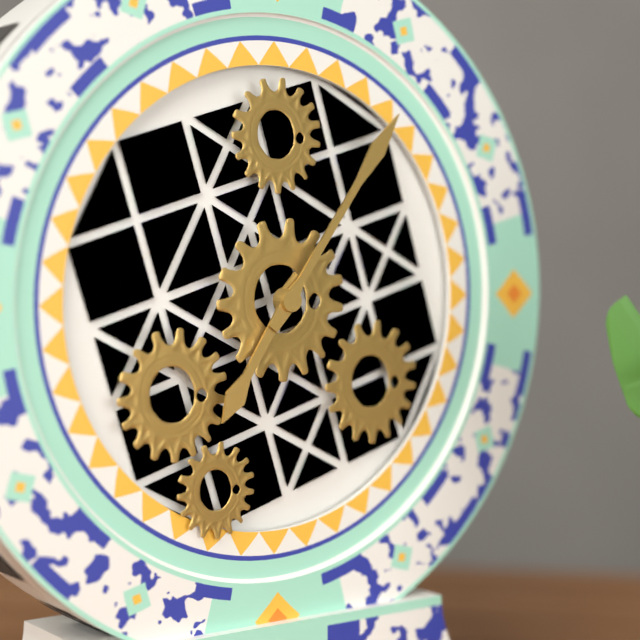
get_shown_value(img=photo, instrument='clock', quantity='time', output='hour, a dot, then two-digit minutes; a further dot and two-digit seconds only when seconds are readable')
7.06
